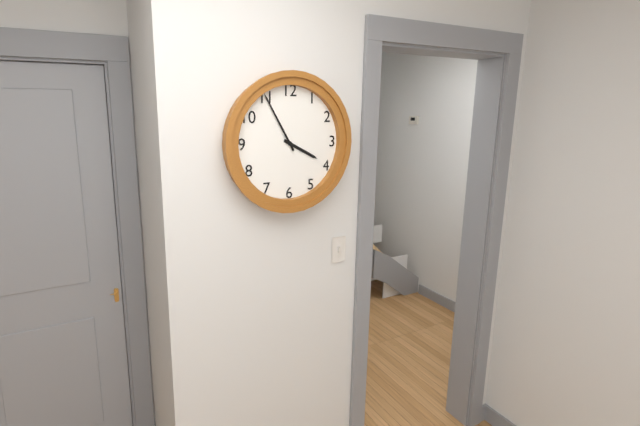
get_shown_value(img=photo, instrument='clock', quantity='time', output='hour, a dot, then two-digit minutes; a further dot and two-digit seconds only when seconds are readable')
3.55
